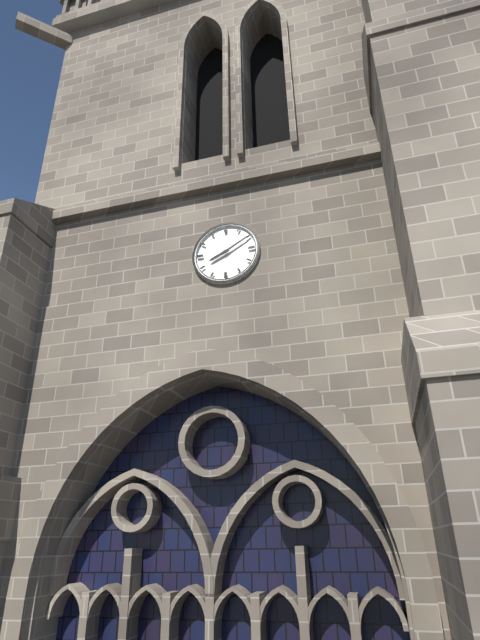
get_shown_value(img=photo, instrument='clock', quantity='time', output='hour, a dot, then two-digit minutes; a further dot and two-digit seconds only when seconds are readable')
8.10
